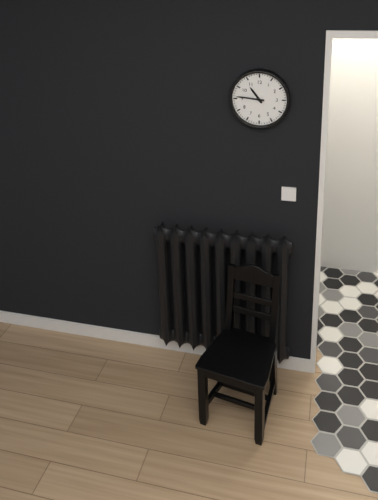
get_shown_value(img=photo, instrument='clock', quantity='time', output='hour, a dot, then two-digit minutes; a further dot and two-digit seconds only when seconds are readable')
10.46
